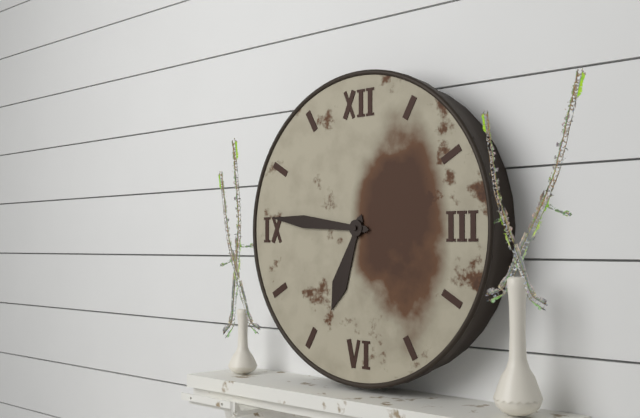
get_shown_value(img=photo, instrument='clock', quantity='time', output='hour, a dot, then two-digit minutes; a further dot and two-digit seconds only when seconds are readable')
6.46
